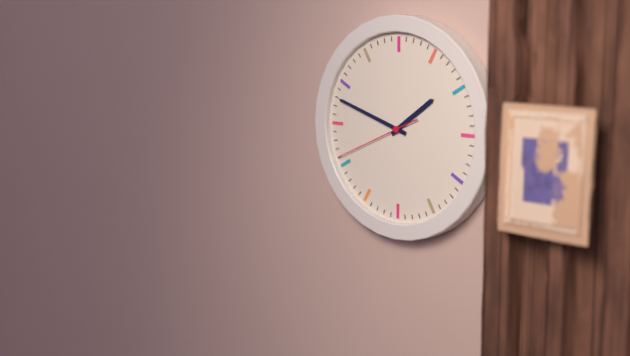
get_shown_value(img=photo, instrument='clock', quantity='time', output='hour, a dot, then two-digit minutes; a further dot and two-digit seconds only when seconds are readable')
1.48.41
